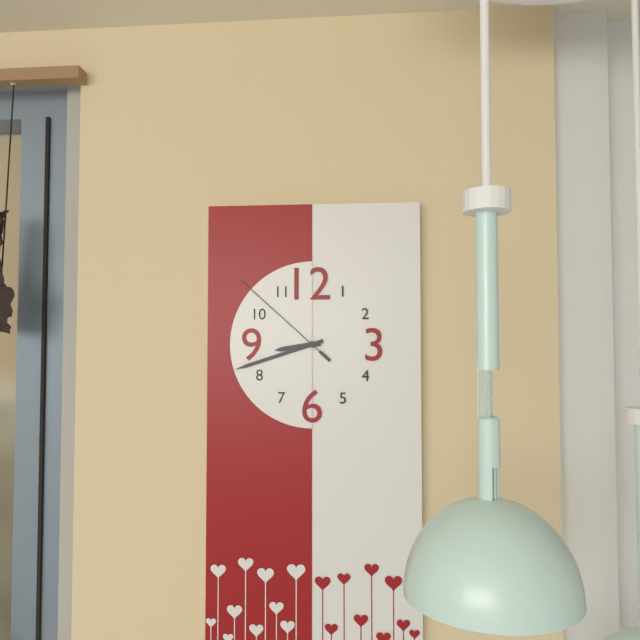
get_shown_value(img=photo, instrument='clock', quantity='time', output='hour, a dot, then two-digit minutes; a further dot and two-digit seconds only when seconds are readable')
8.42.52
